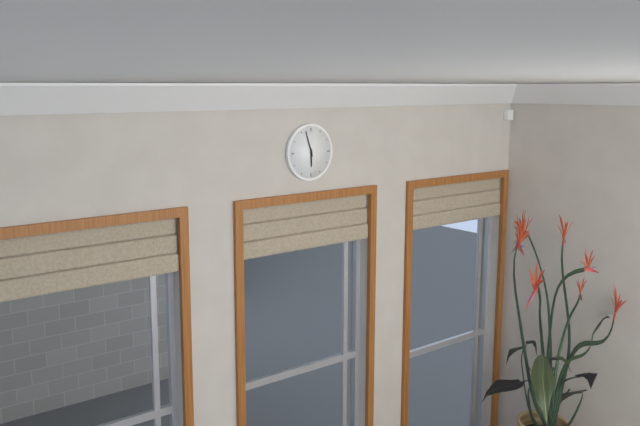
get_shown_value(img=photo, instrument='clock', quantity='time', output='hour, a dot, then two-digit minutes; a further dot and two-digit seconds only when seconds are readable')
5.57
